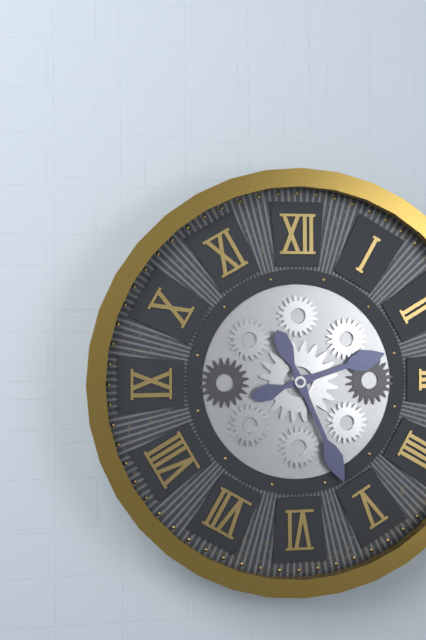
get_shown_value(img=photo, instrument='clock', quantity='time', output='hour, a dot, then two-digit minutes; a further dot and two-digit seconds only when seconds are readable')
2.26
